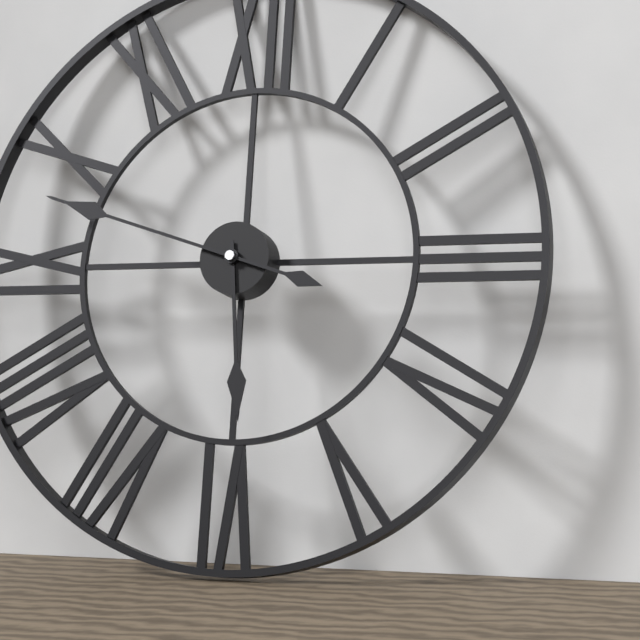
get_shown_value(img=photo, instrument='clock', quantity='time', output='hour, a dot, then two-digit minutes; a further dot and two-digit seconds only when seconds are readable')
5.48
